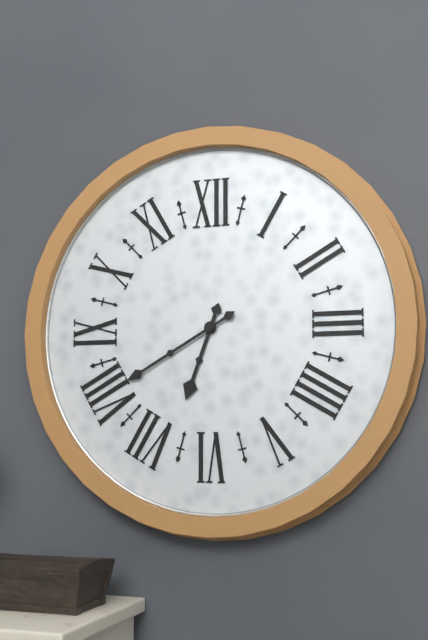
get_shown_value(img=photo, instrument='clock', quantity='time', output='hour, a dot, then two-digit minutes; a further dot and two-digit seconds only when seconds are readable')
6.40
